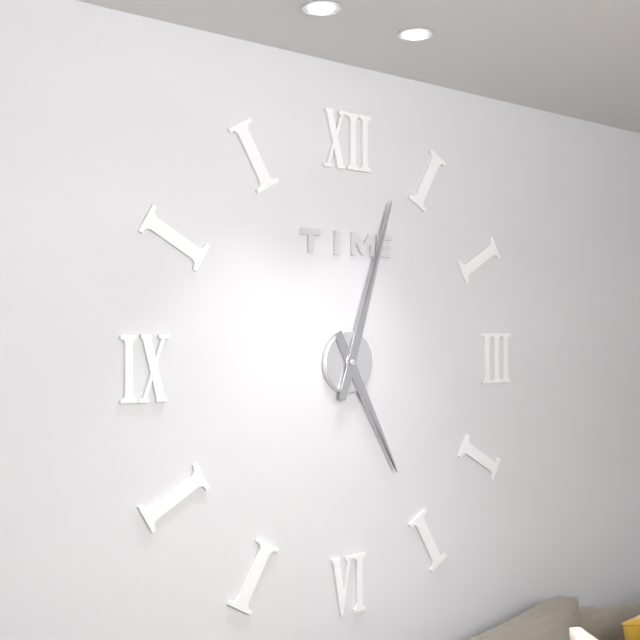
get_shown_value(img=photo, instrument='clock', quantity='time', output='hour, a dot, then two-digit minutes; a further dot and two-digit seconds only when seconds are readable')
5.03
